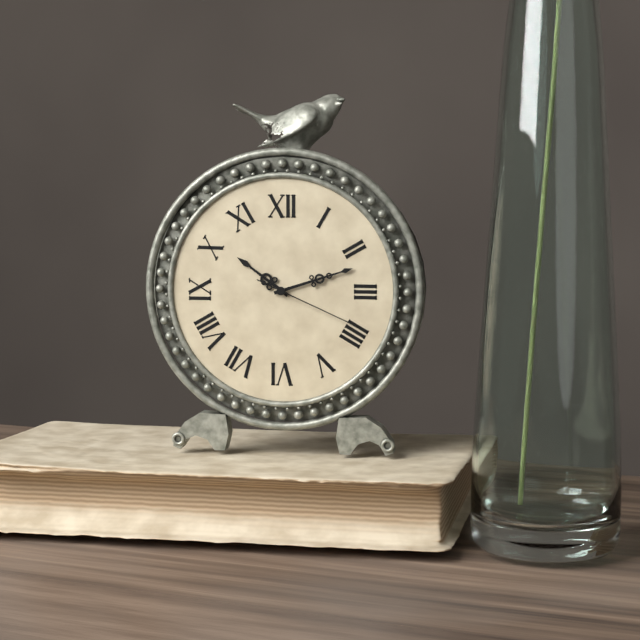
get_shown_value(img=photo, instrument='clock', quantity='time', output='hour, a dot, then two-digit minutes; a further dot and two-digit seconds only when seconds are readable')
10.12.19
